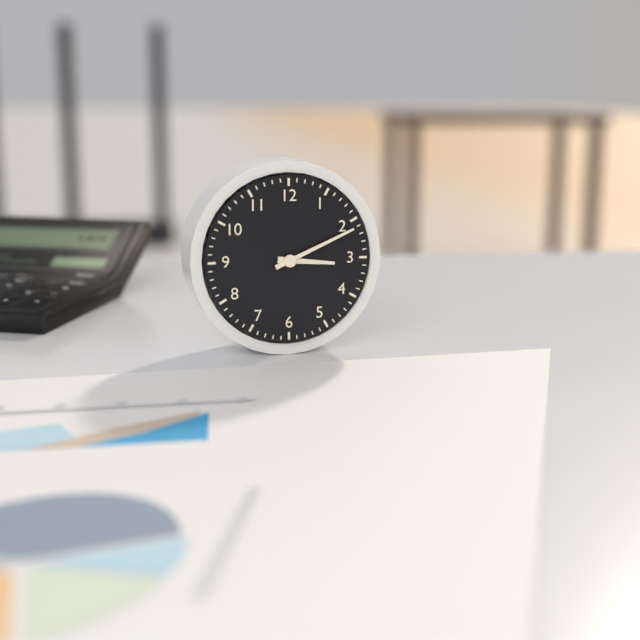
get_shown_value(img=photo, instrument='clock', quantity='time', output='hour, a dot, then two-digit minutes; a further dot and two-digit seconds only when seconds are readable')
3.11
